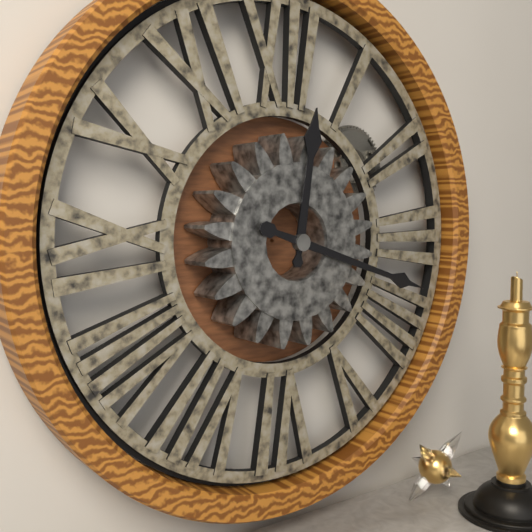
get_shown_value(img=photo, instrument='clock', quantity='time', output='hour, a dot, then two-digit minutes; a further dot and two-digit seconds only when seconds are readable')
12.18
